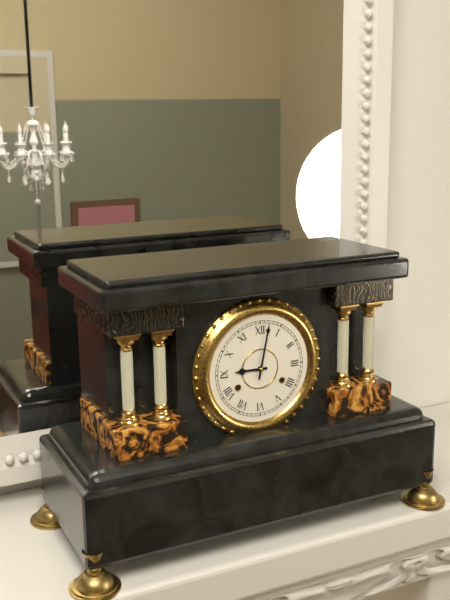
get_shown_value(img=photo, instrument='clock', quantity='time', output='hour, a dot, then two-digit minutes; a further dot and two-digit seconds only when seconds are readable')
9.02
